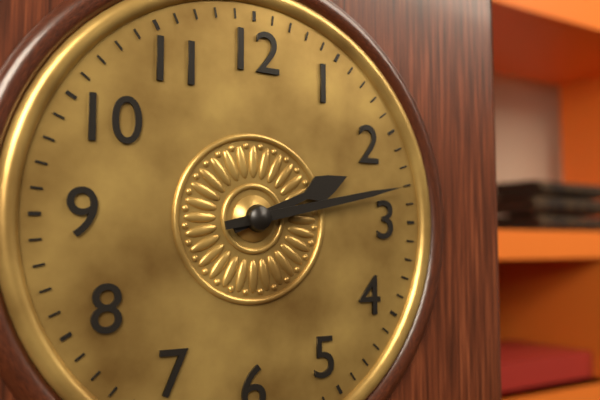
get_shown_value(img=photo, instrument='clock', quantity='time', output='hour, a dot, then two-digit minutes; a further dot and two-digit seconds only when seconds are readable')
2.13
